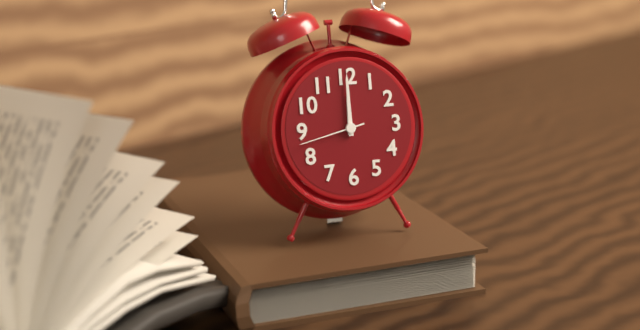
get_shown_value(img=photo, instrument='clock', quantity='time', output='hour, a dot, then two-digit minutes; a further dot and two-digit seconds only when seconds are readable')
12.00.43
